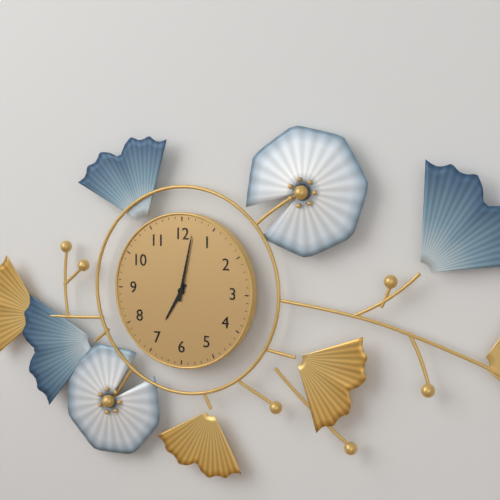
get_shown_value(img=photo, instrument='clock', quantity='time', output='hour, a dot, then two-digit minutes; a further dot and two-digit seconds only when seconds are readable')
7.02
